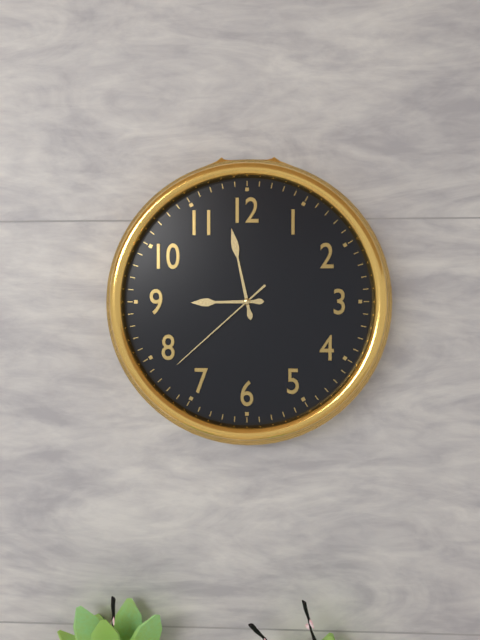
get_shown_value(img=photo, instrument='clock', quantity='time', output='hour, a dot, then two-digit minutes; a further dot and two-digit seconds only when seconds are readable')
8.58.38
